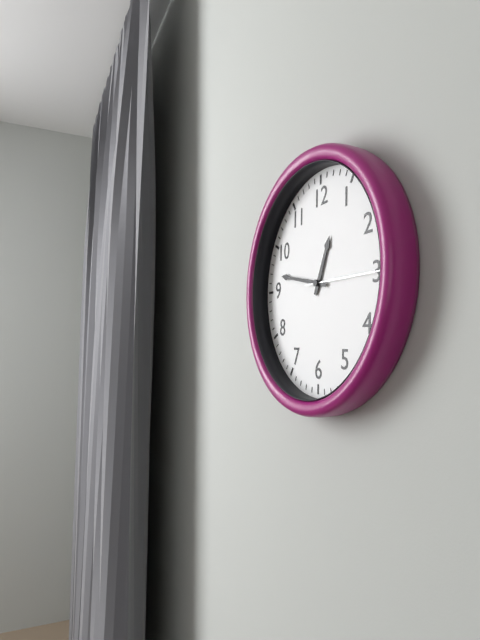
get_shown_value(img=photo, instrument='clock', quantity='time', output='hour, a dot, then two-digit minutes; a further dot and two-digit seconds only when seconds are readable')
12.47.15
